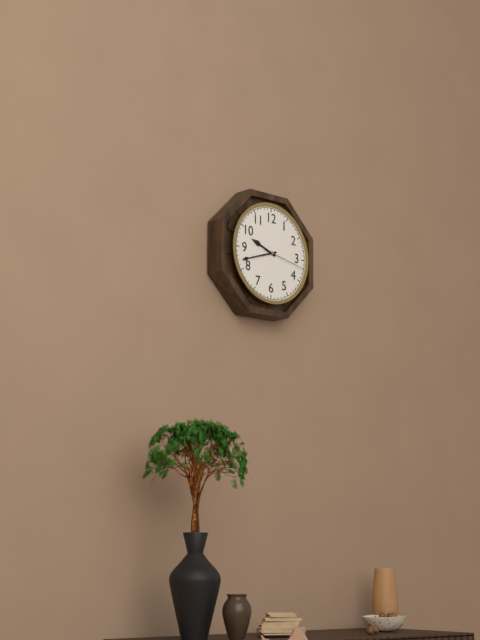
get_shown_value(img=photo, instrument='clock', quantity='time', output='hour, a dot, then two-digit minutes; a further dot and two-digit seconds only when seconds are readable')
9.42
